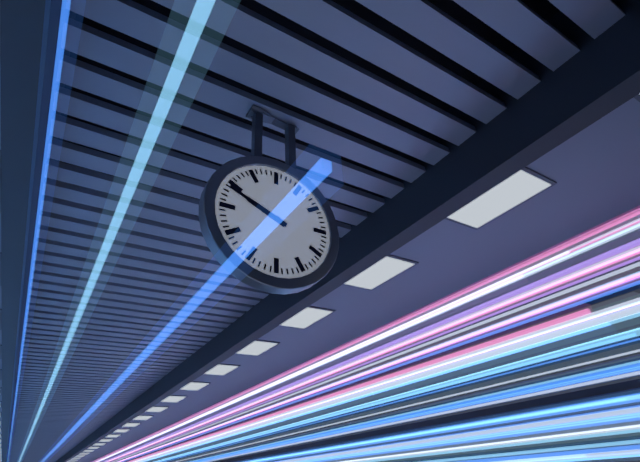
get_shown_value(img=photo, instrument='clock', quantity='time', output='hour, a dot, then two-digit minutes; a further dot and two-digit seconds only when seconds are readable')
9.49
